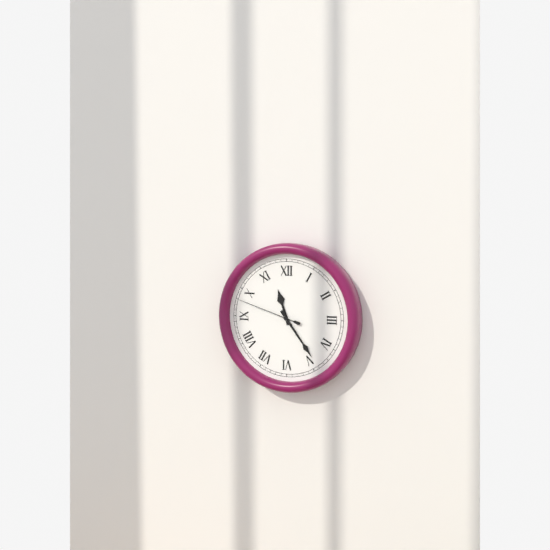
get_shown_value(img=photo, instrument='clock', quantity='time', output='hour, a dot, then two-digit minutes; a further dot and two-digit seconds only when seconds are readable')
11.24.48
